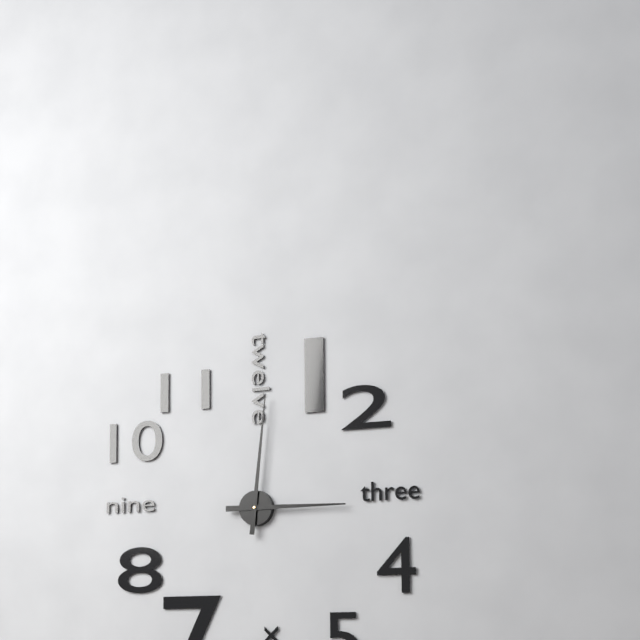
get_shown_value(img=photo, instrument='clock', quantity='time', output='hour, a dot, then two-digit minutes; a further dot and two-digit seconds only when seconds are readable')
3.01
